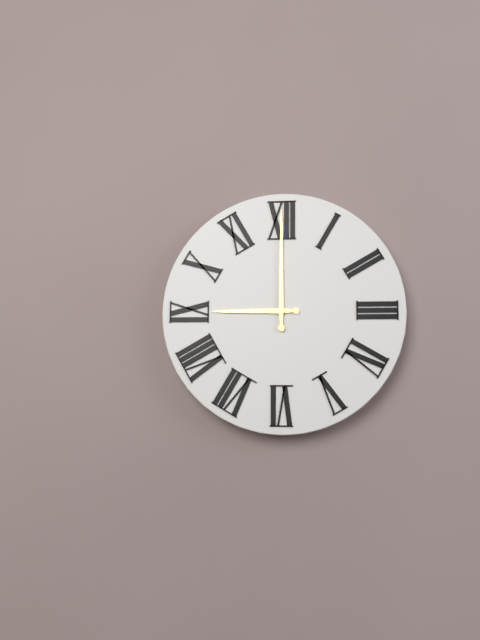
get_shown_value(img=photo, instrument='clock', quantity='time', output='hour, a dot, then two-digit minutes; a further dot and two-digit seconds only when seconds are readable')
9.00
